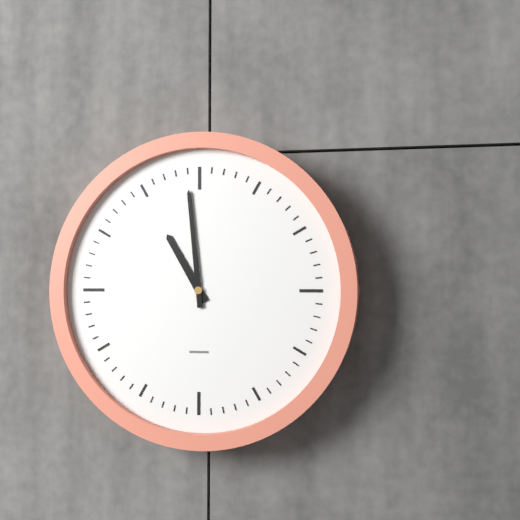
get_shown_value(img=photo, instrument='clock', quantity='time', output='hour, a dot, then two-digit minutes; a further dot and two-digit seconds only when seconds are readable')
10.59
